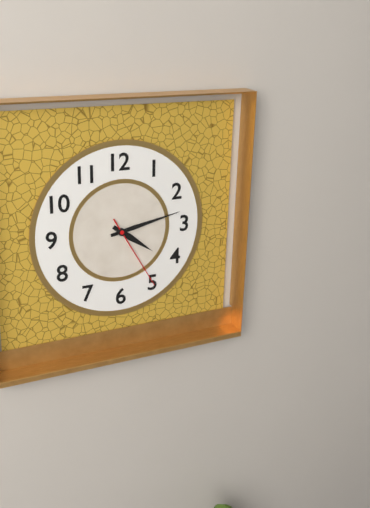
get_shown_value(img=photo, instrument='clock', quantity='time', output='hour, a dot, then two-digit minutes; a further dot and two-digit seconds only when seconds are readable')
4.13.25
